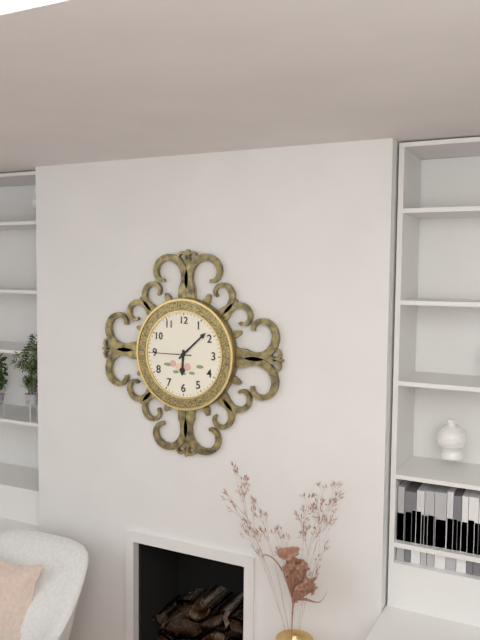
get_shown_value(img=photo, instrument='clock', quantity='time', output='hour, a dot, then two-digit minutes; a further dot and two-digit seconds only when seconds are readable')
6.08
